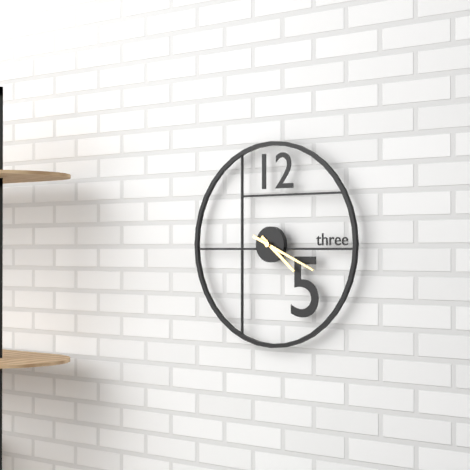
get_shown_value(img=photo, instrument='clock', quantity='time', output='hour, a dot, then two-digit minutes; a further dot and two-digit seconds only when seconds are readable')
4.19
